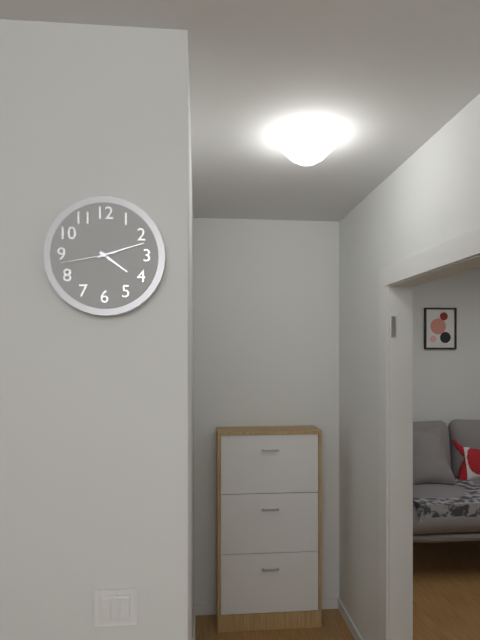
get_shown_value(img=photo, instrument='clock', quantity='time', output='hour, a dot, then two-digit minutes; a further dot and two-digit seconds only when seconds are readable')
4.12.43
